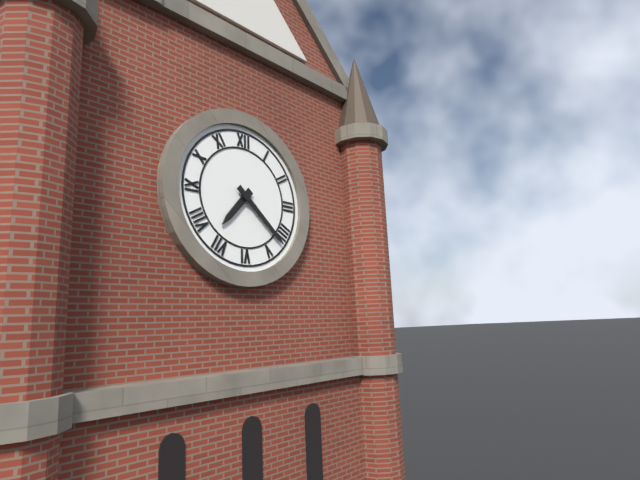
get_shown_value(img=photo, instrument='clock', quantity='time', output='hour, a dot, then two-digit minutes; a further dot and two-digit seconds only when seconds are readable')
7.22
